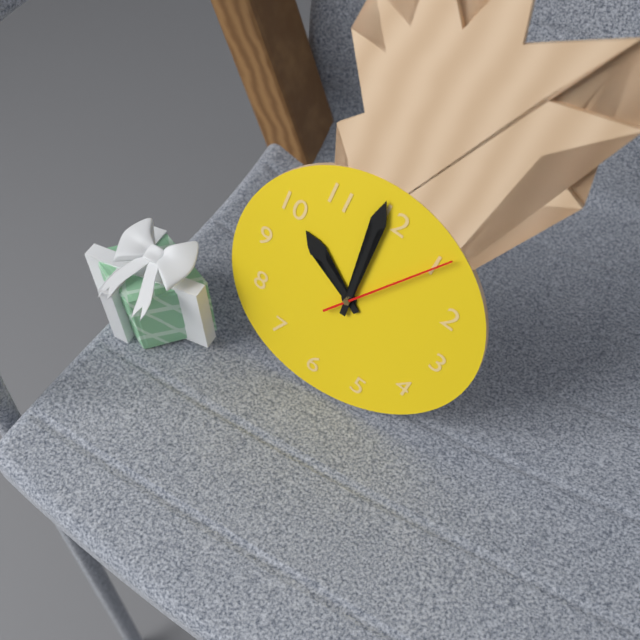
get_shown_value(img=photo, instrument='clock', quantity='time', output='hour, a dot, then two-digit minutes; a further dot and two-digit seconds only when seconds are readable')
9.59.05
